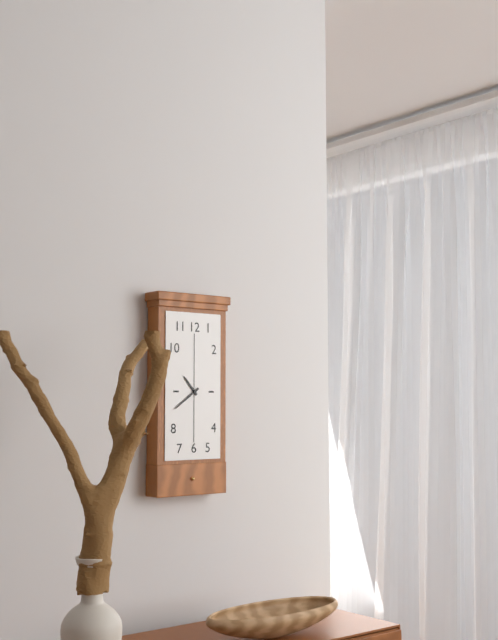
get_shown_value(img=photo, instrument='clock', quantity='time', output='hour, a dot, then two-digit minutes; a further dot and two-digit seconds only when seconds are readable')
10.39
